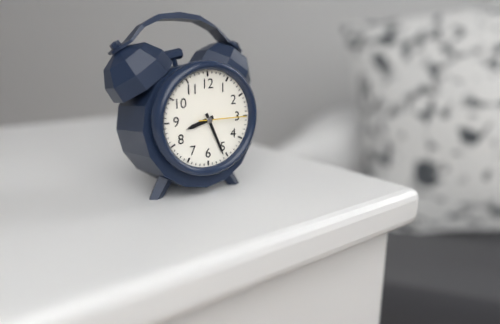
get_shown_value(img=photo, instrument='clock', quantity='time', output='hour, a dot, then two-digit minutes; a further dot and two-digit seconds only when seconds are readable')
8.26
